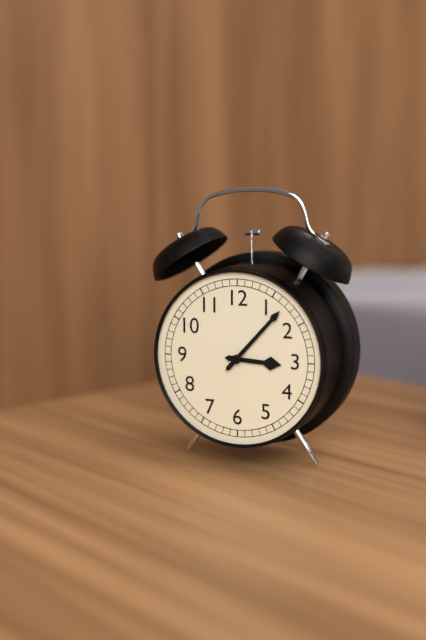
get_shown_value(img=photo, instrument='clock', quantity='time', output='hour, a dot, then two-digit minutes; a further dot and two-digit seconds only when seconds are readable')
3.07
